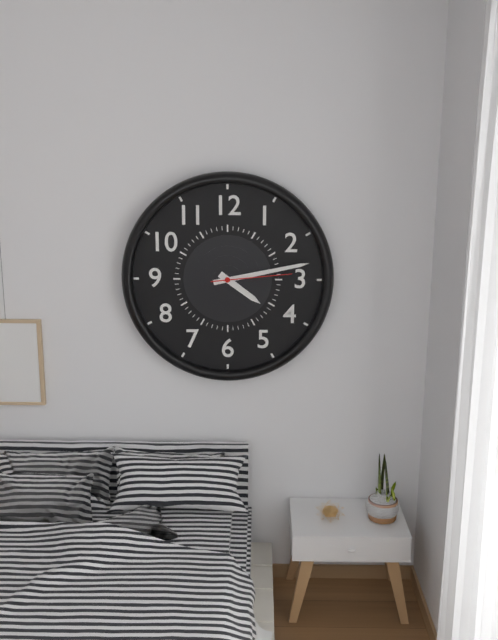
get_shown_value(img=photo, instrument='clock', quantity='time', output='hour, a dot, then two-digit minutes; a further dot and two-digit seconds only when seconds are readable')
4.13.14
